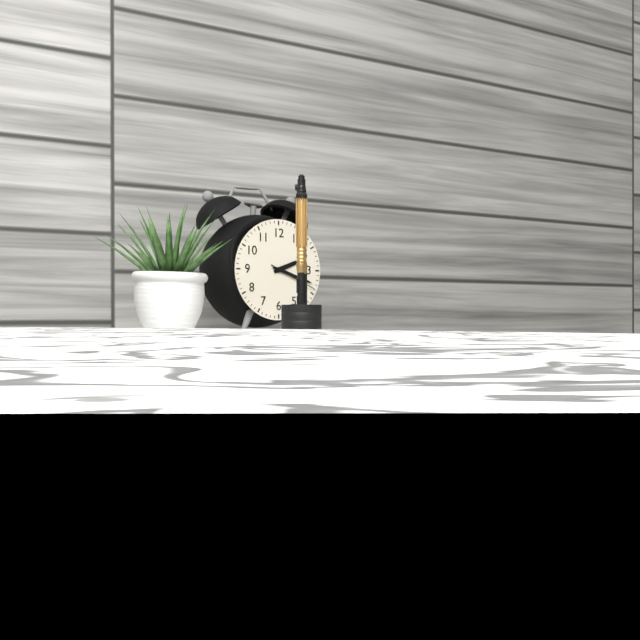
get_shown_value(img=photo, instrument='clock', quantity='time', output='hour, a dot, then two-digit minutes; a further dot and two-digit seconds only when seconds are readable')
2.18.19
